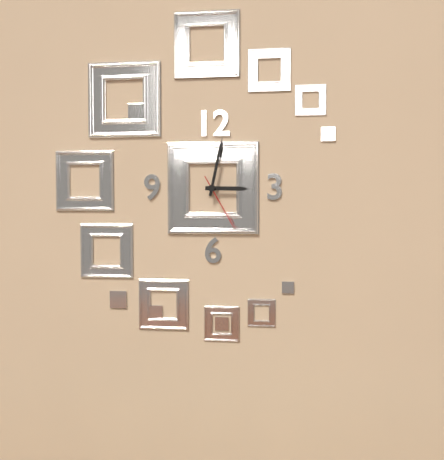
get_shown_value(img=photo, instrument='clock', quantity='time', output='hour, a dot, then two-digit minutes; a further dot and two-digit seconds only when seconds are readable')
3.02.25
